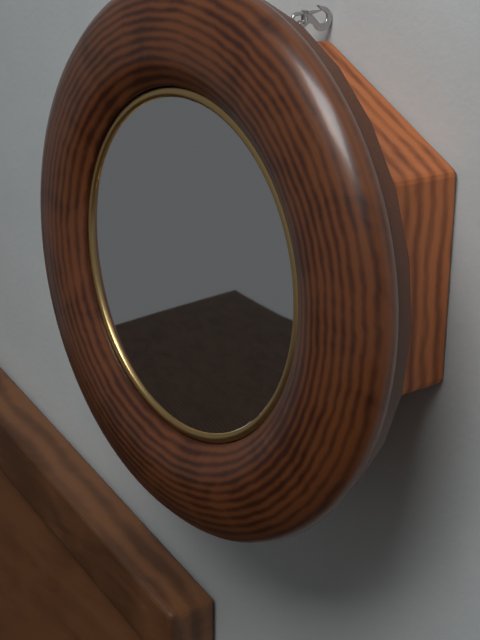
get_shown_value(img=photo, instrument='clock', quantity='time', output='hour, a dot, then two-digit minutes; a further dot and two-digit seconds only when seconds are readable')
4.44
